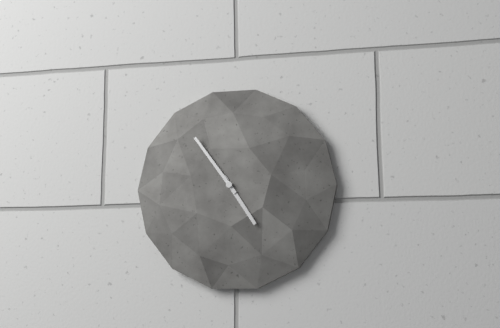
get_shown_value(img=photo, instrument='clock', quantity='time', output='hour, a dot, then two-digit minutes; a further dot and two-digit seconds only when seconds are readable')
4.54
